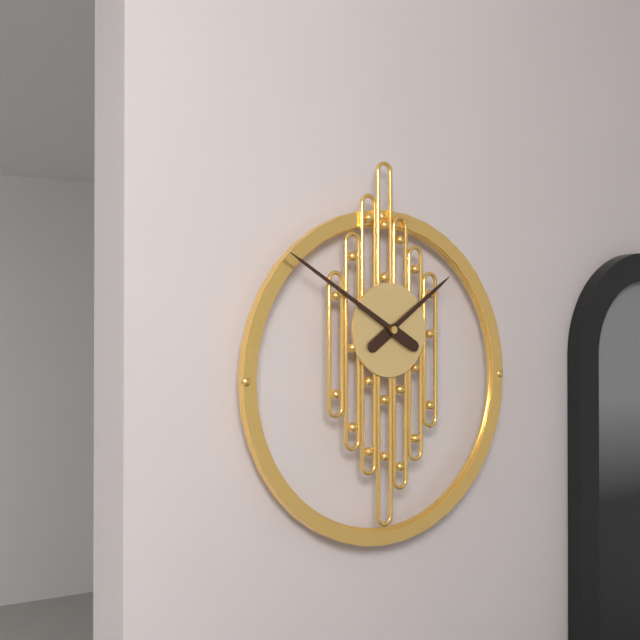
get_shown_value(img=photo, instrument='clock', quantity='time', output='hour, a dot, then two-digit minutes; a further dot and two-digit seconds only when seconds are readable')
1.50
